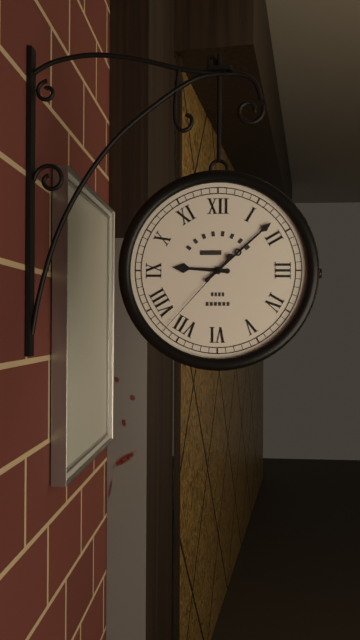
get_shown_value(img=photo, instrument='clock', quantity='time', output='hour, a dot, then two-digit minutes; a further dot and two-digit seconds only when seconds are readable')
9.08.37
